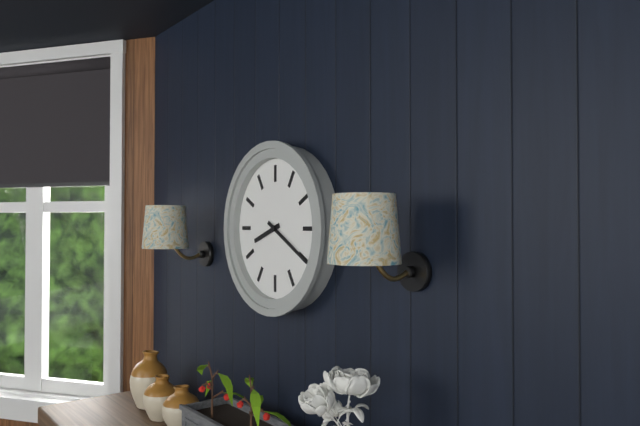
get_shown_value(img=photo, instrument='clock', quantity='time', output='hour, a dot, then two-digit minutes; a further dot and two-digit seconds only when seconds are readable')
8.20
